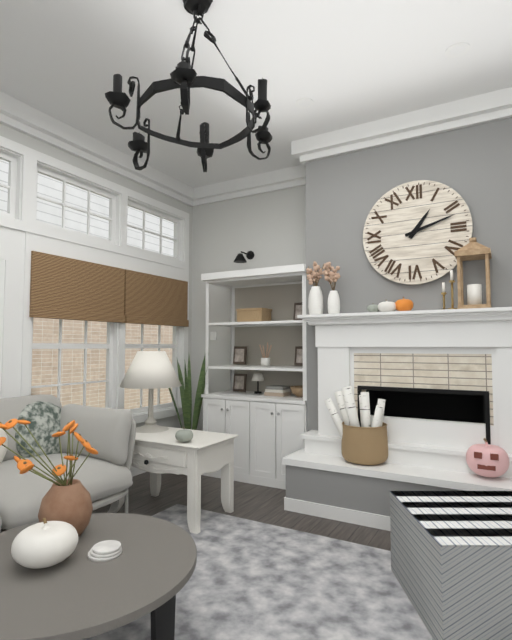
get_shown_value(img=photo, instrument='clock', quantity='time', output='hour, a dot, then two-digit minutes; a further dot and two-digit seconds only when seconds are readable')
1.12
